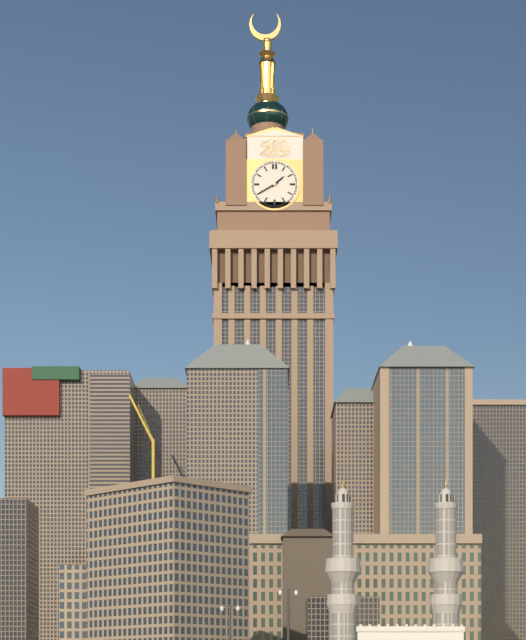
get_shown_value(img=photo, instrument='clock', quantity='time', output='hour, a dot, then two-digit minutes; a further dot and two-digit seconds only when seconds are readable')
1.40
